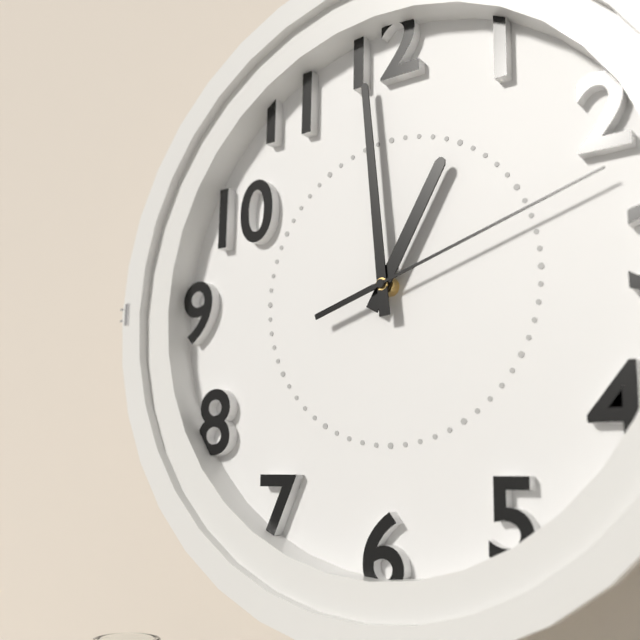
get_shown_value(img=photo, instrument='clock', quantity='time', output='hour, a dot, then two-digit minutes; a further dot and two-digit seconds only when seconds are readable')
12.59.12
